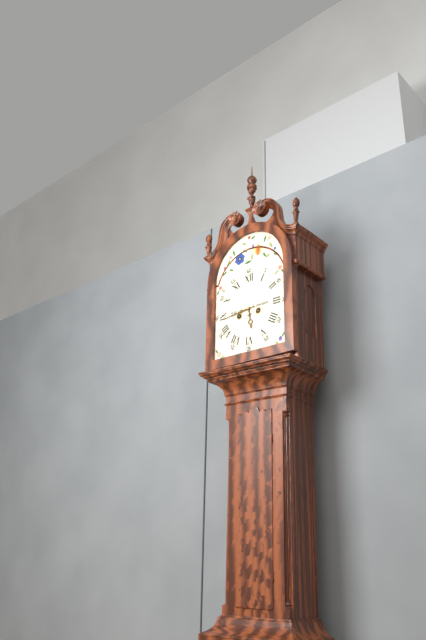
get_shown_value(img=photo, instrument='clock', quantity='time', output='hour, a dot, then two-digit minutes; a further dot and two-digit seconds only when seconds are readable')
5.44
